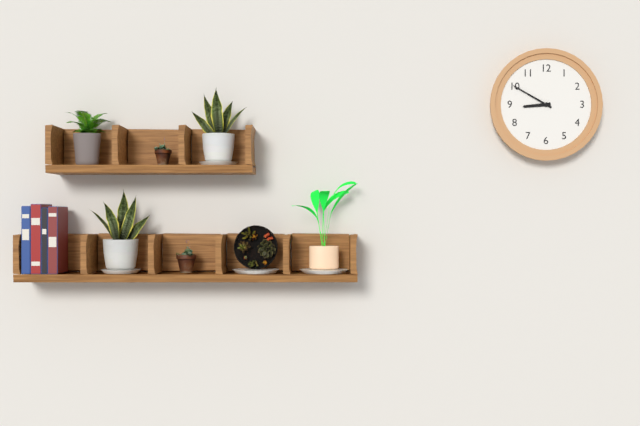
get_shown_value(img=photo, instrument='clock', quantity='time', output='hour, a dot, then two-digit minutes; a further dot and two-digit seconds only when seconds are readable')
8.50
